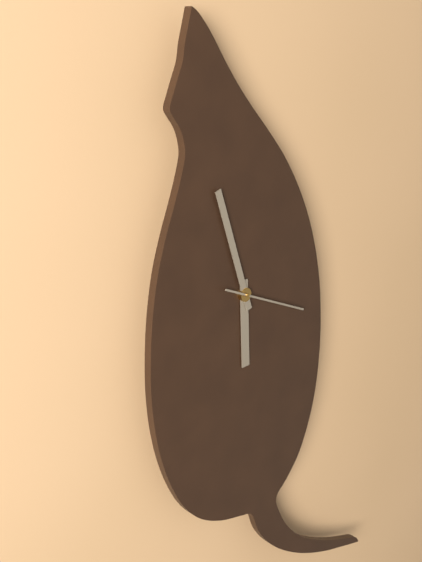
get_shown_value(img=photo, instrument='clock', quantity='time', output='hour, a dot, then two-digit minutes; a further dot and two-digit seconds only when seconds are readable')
5.57.19
